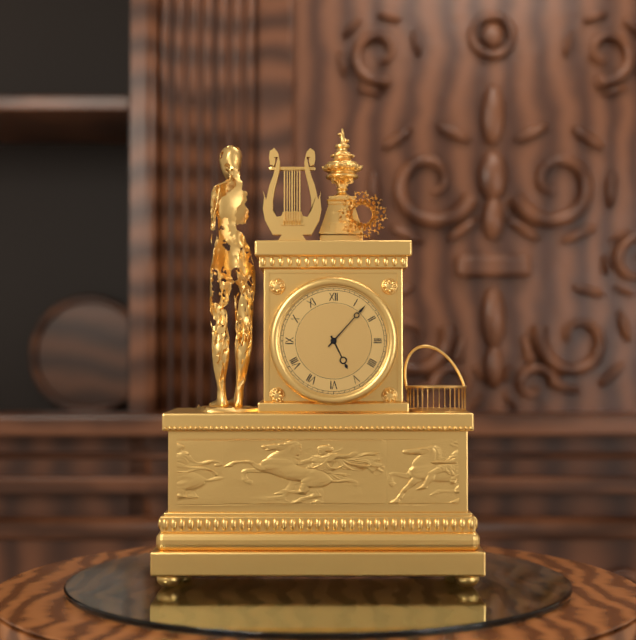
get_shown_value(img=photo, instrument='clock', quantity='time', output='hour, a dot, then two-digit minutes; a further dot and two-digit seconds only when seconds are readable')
5.07
